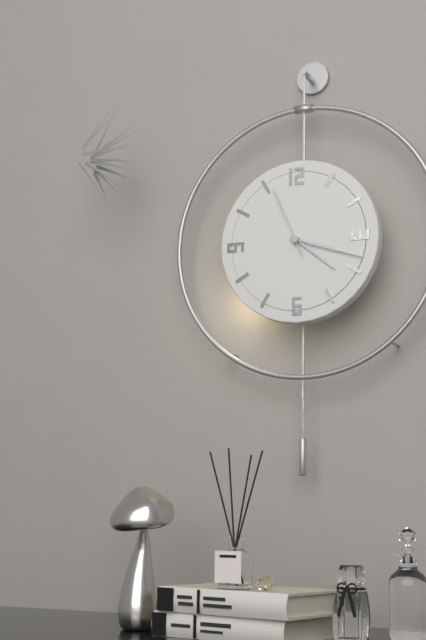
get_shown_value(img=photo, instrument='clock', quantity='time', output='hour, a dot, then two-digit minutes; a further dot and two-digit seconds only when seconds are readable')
4.18.56
